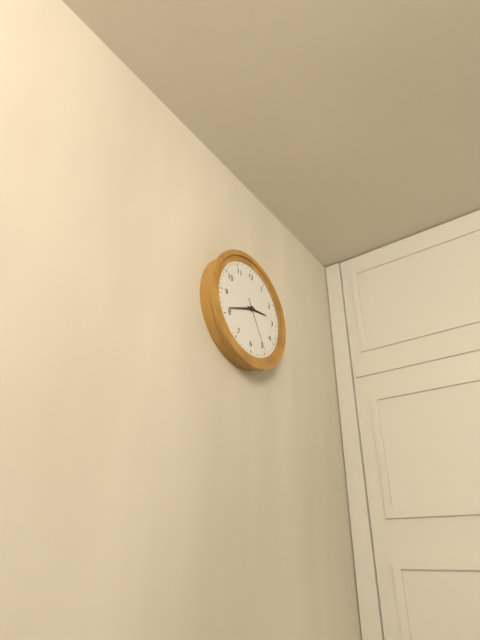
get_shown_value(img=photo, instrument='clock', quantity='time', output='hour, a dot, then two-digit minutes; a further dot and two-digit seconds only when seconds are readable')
2.41.25
